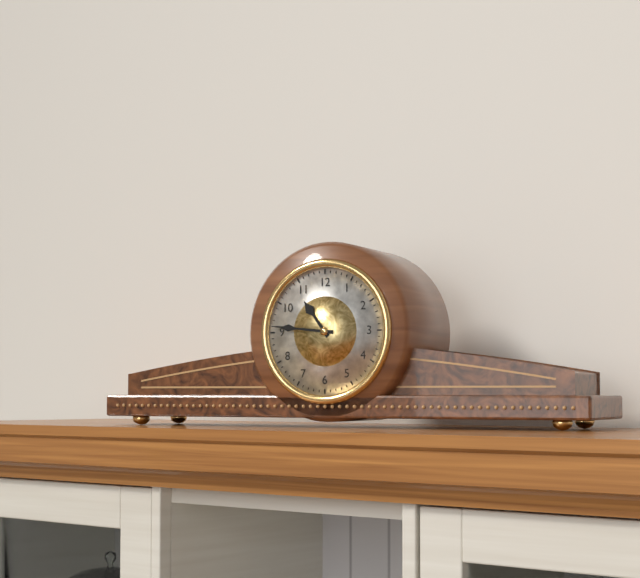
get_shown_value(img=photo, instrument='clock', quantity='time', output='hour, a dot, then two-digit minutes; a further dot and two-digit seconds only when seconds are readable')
10.46
